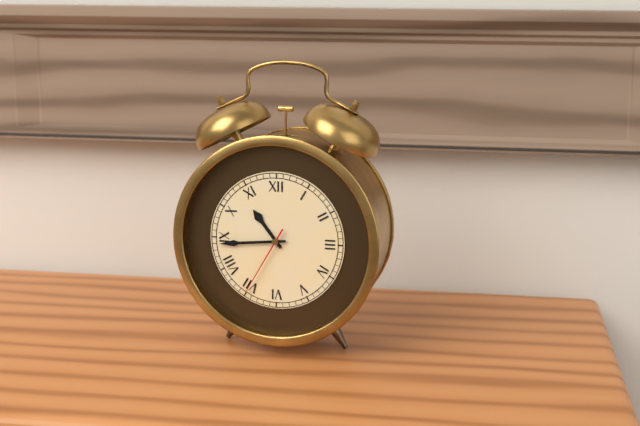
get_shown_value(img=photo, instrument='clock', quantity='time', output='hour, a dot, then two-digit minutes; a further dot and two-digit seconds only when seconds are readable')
10.44.35
